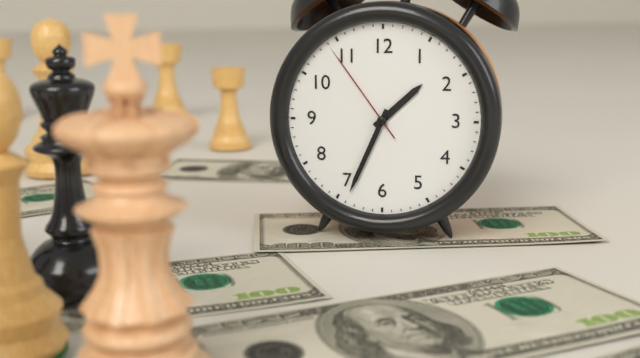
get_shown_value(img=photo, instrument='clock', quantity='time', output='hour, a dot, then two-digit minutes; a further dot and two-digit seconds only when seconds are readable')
1.34.54
